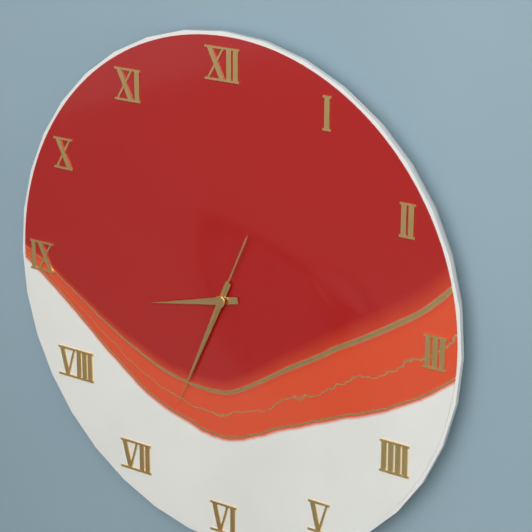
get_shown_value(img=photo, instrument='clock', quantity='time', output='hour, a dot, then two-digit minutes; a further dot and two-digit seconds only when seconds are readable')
8.34.04
